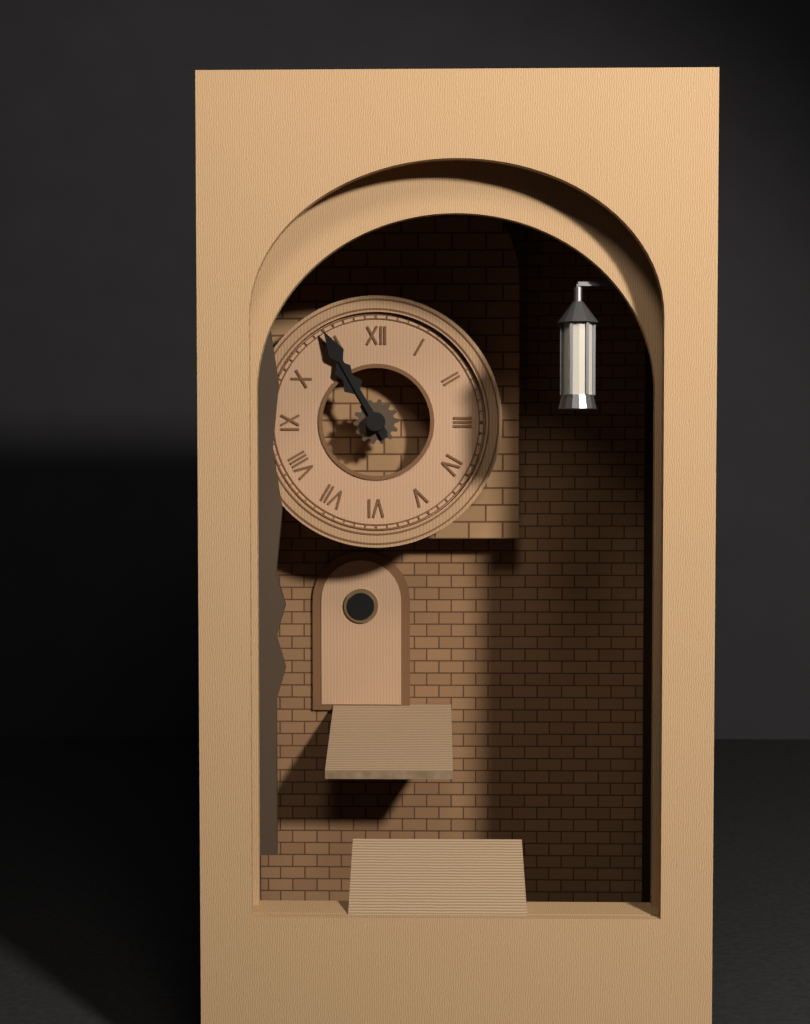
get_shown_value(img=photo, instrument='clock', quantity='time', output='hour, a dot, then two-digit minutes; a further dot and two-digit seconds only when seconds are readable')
10.55
